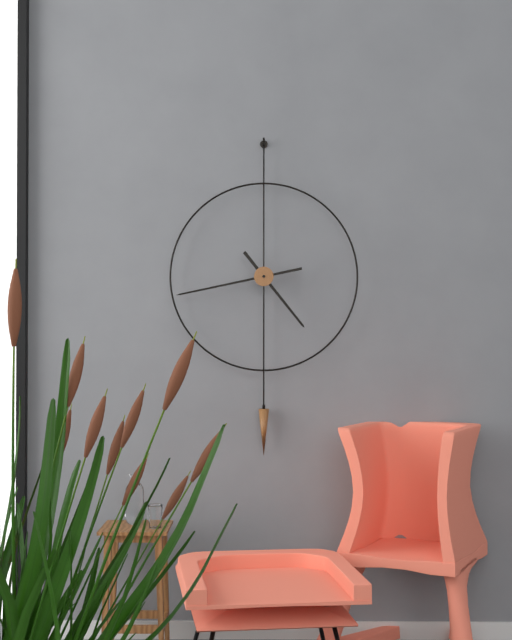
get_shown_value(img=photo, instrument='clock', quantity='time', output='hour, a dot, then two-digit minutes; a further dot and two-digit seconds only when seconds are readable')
4.43
